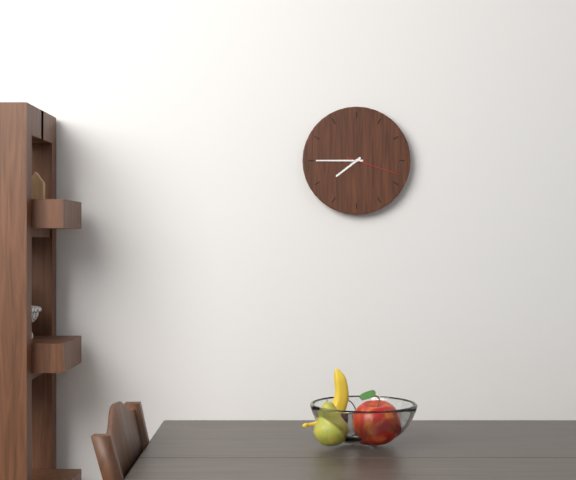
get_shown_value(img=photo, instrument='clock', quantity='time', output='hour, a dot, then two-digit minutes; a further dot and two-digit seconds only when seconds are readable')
7.45.18
